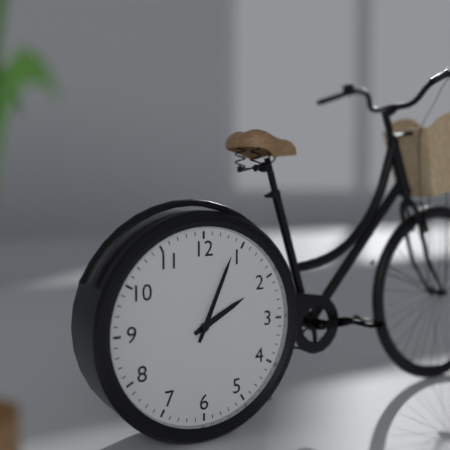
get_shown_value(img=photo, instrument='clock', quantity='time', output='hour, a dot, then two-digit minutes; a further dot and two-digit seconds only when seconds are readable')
2.04
